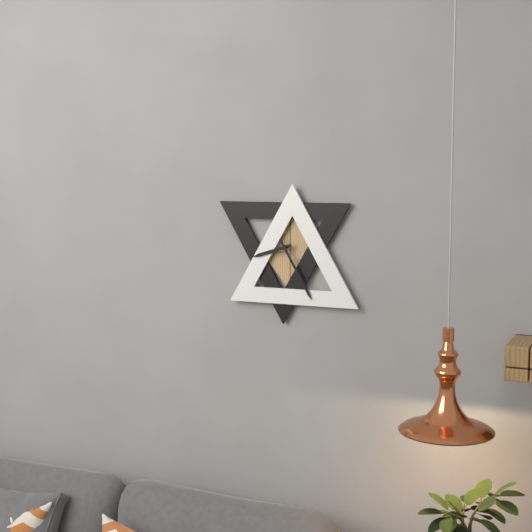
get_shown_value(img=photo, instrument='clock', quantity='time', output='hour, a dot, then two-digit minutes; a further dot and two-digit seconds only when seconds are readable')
8.25
